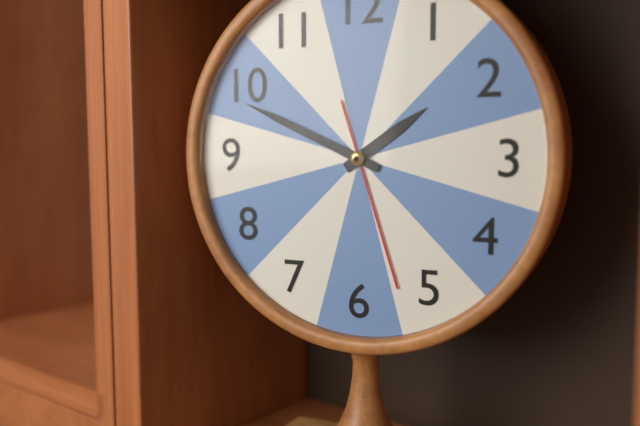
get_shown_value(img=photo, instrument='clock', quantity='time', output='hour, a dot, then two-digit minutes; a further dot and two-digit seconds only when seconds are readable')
1.49.27
